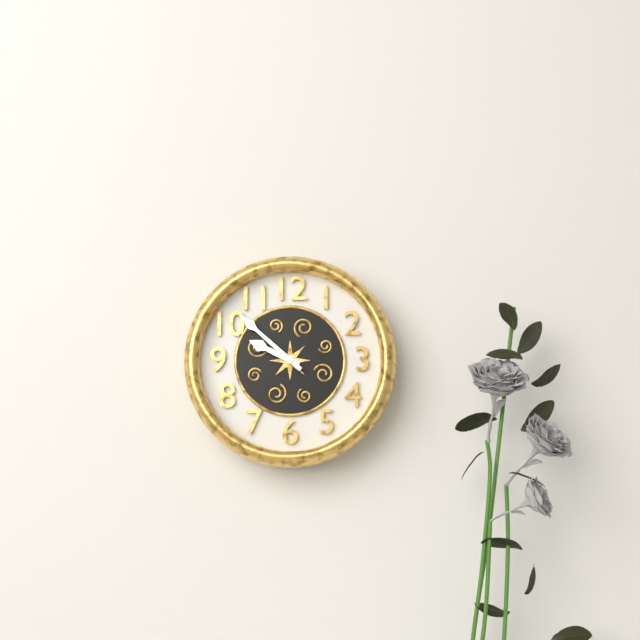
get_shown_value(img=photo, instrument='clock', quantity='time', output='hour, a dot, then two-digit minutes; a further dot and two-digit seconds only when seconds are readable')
9.52
